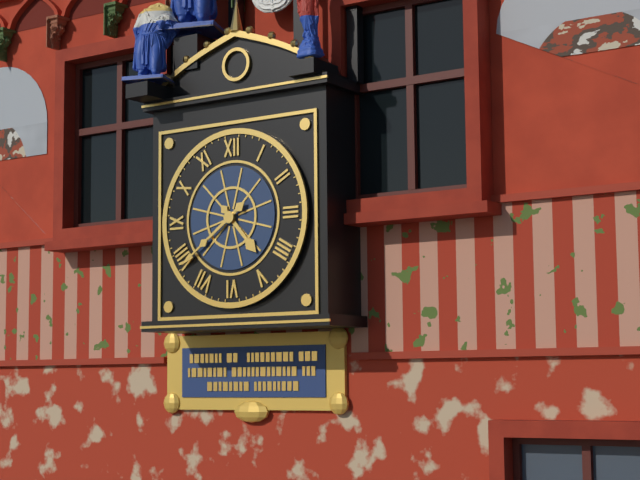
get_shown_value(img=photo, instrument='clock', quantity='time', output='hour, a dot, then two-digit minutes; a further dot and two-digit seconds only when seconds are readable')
4.39
